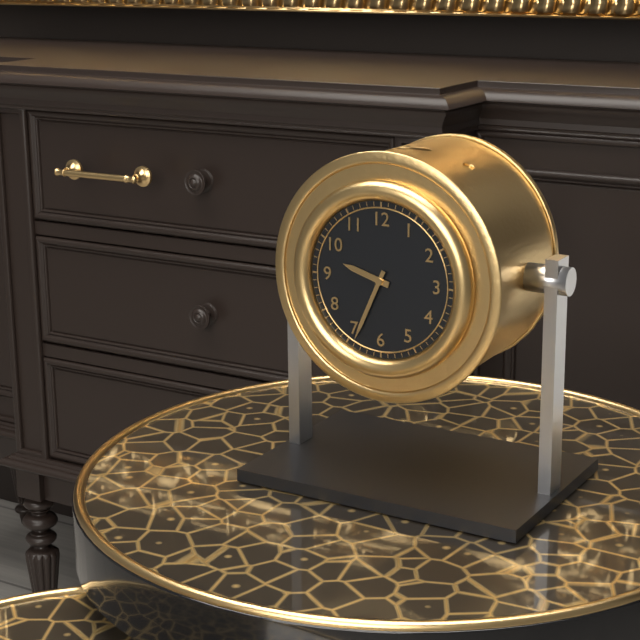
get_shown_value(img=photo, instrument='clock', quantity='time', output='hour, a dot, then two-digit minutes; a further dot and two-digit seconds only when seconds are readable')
9.34
